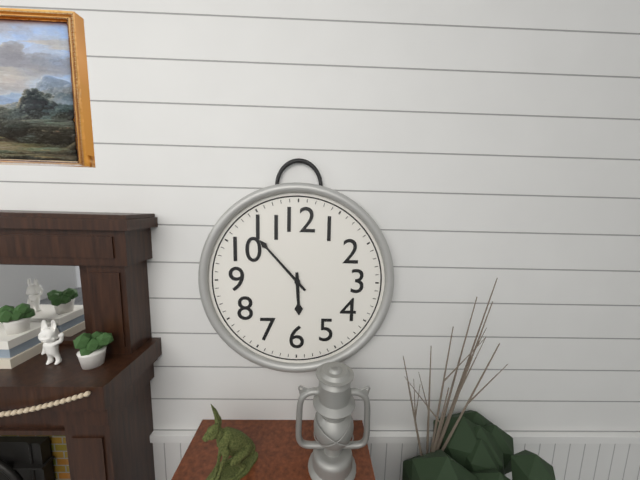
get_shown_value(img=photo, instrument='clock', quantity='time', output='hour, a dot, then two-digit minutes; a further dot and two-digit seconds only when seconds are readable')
5.53
